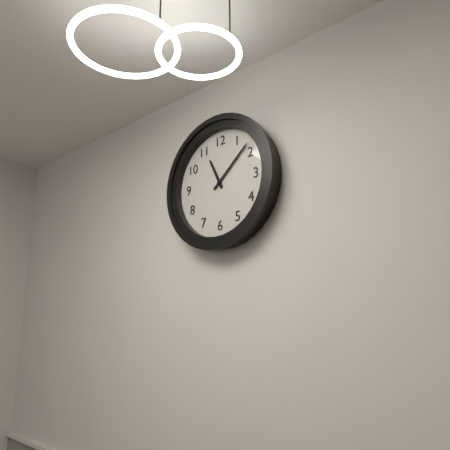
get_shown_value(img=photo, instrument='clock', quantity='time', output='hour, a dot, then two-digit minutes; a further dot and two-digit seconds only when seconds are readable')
11.08
